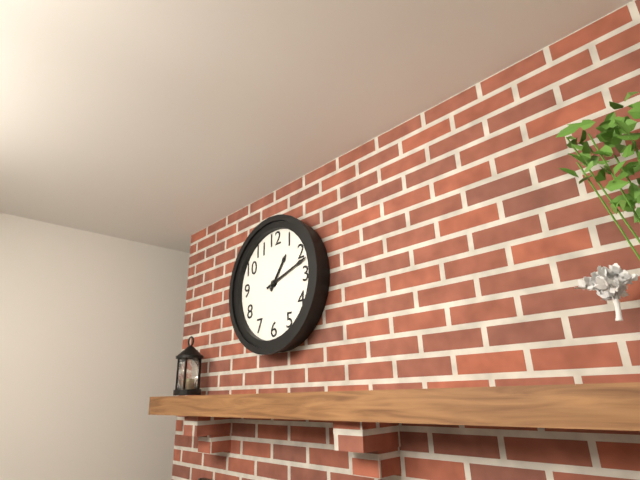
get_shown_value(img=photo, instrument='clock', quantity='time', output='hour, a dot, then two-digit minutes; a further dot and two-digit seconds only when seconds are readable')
1.12
